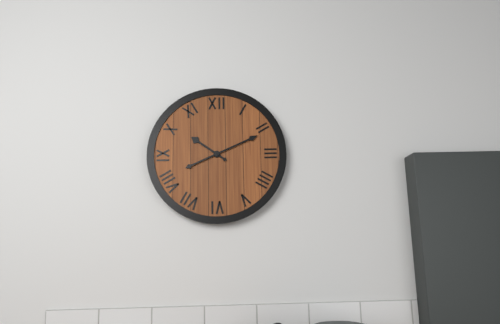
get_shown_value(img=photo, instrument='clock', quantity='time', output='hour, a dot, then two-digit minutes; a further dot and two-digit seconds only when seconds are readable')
10.11
